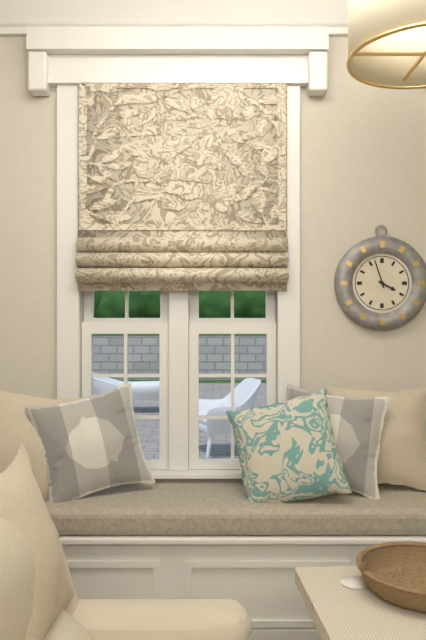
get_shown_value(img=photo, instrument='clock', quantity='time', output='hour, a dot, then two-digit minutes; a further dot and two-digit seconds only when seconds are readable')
3.57
